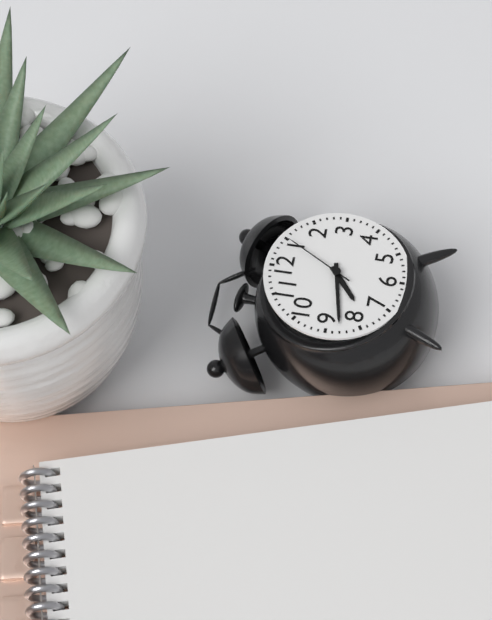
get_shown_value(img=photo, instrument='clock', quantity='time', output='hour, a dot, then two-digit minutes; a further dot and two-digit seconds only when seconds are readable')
7.43.05
